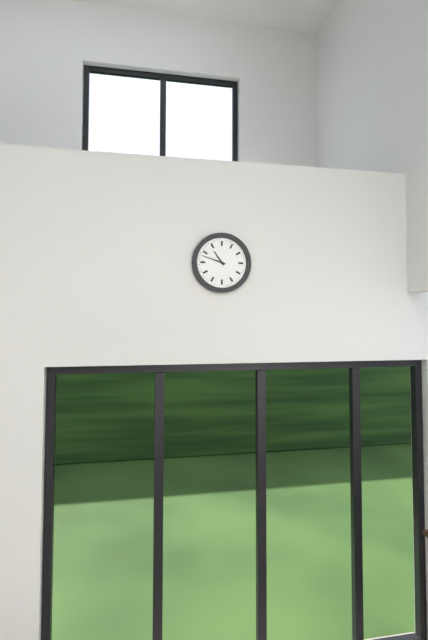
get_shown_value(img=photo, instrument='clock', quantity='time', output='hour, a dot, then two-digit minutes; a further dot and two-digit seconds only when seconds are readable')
10.48
